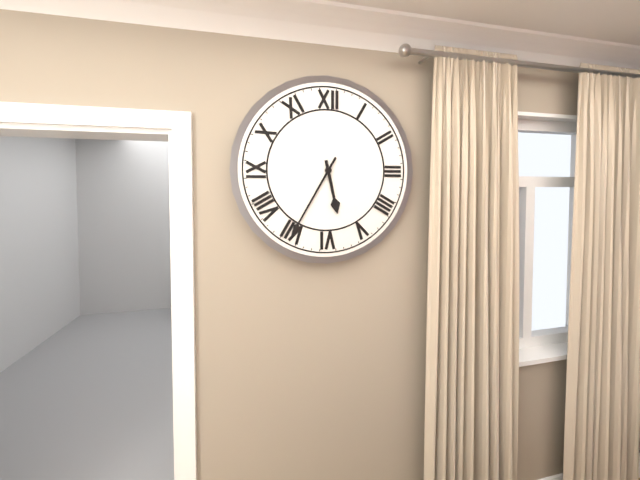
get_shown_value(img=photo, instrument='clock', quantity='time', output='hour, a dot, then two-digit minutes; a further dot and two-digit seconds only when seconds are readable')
5.35
